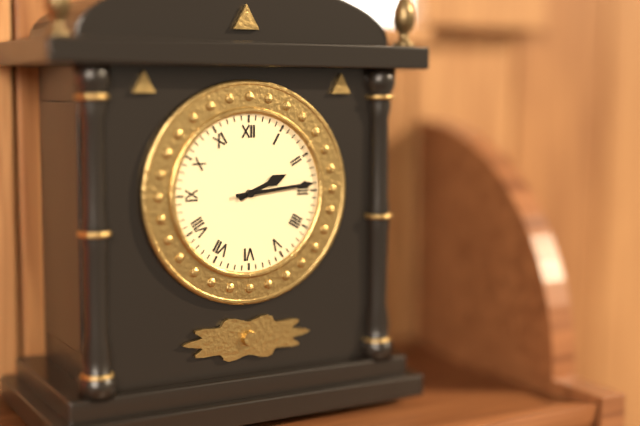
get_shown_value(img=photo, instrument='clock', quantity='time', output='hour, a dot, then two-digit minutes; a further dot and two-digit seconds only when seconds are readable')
2.14
